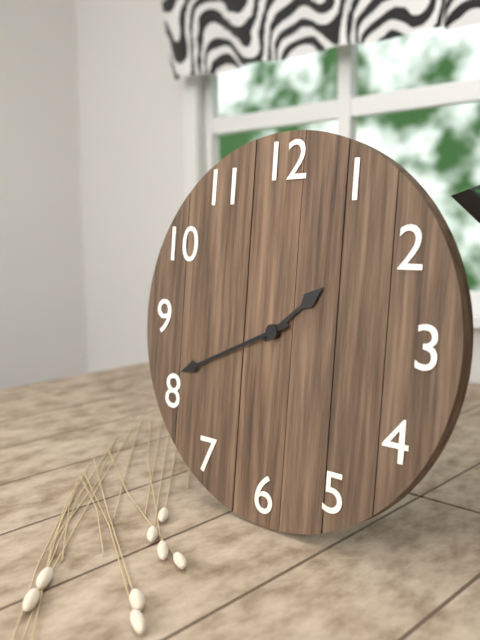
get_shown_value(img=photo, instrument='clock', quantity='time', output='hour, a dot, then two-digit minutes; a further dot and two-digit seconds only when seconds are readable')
1.41
